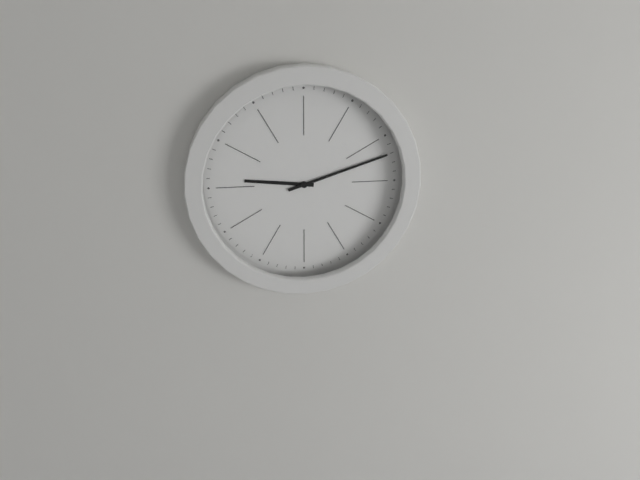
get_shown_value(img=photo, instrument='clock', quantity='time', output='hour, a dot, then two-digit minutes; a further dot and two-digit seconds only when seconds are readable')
9.12
